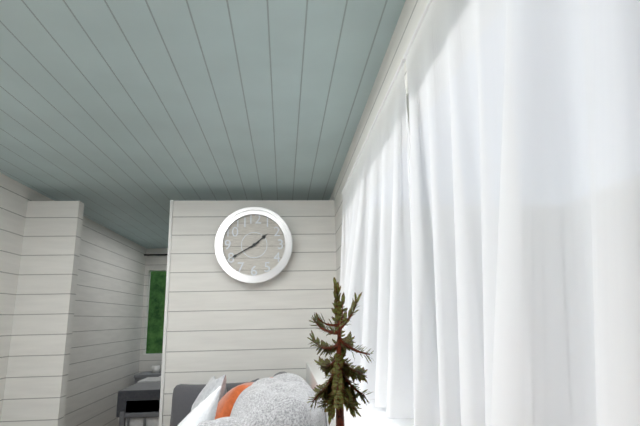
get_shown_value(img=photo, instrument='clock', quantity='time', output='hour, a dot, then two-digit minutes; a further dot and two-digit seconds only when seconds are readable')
1.40
